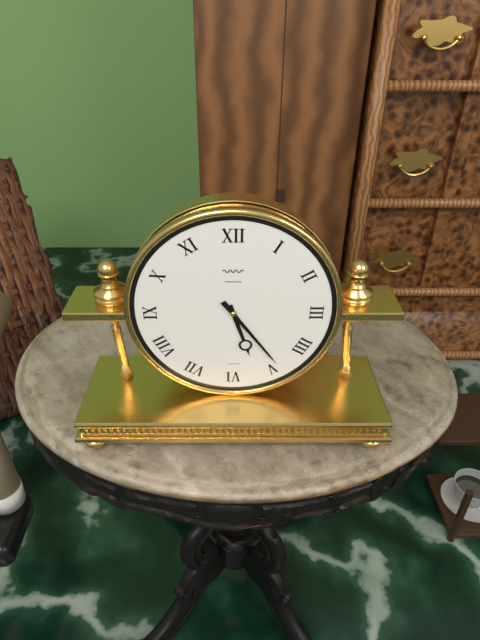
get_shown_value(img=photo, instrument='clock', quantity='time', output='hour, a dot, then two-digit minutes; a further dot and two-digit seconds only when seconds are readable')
5.24
